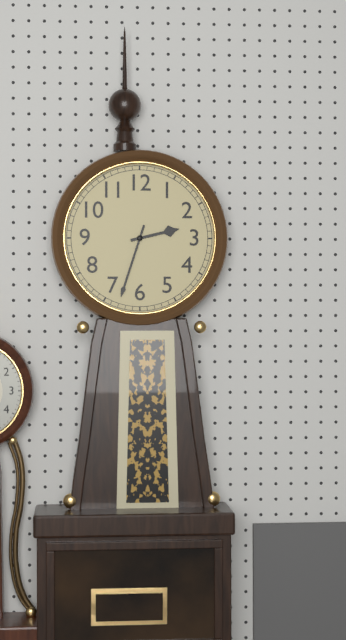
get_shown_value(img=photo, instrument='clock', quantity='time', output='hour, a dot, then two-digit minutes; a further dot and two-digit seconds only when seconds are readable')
2.33
